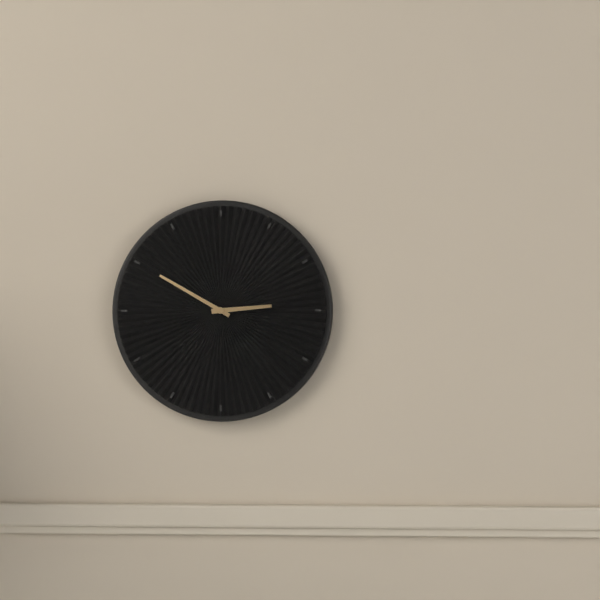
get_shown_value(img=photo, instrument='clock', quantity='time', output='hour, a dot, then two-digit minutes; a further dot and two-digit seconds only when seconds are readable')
2.50
